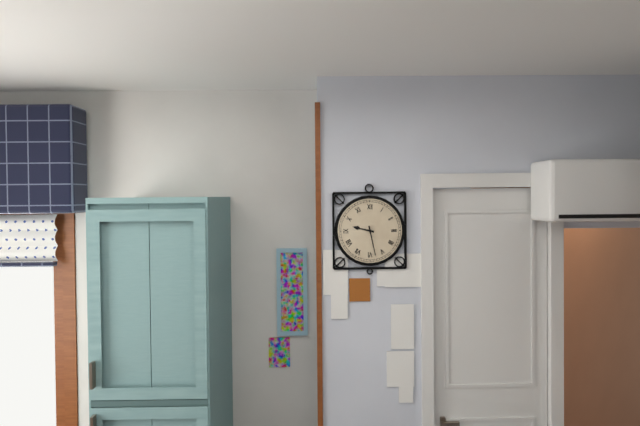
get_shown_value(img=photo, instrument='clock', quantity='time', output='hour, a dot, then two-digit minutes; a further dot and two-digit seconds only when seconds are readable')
9.28
